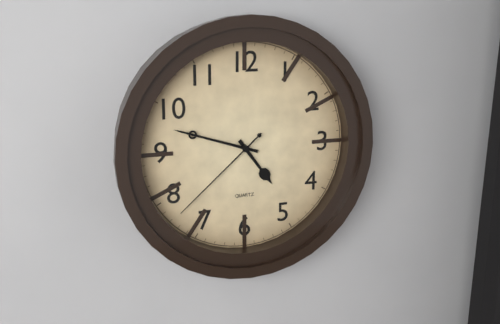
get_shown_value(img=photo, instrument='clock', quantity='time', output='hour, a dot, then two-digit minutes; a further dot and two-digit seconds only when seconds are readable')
4.48.38
